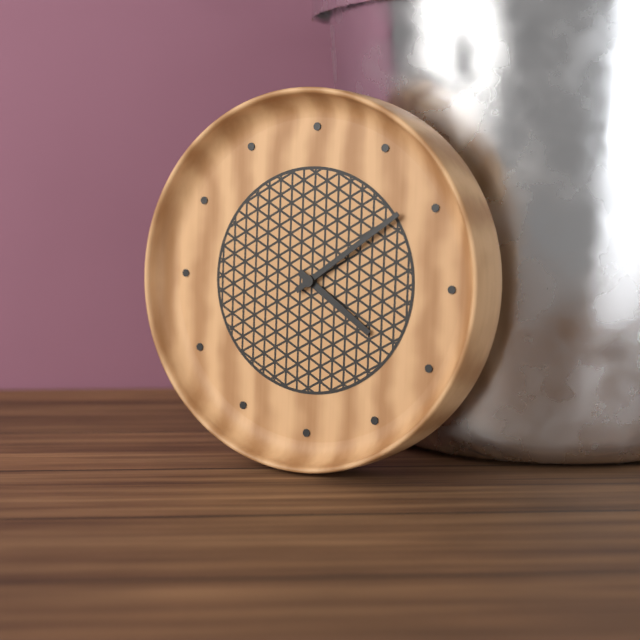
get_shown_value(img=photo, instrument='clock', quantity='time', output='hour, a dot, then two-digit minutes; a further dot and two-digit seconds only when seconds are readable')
4.09
